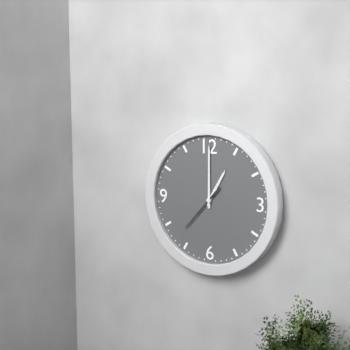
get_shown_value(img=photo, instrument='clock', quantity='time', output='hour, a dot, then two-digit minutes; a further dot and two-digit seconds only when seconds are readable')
1.00
